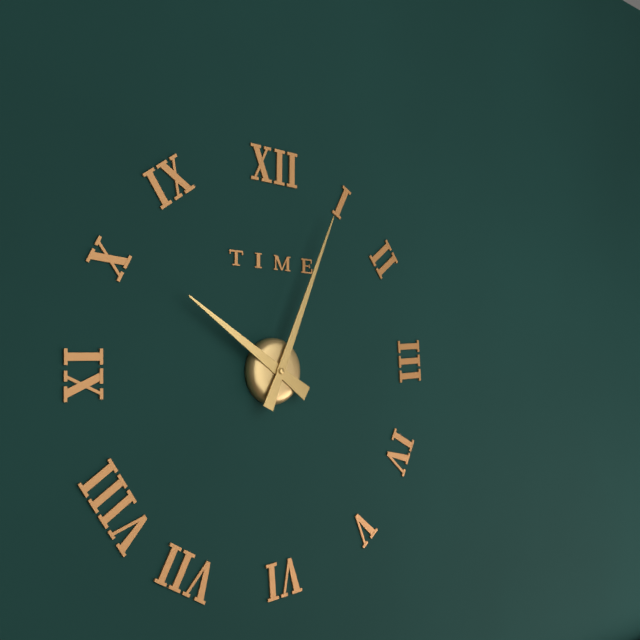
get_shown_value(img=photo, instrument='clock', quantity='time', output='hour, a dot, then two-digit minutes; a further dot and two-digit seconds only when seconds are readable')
10.04
